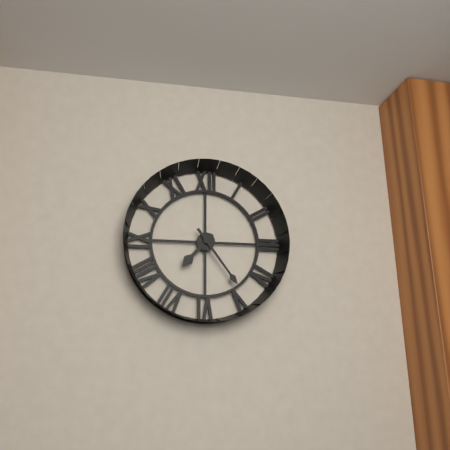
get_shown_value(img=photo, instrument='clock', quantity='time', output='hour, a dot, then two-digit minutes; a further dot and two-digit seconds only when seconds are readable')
7.24
